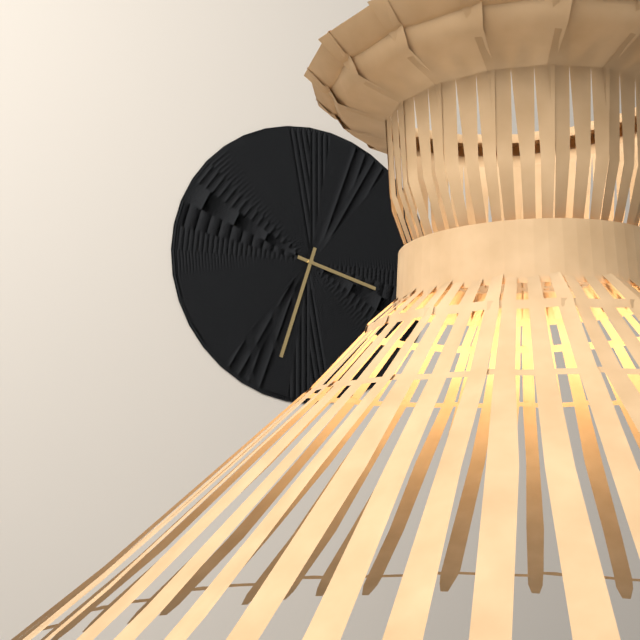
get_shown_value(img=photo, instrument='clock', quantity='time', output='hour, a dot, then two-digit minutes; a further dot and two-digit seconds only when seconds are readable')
3.33
